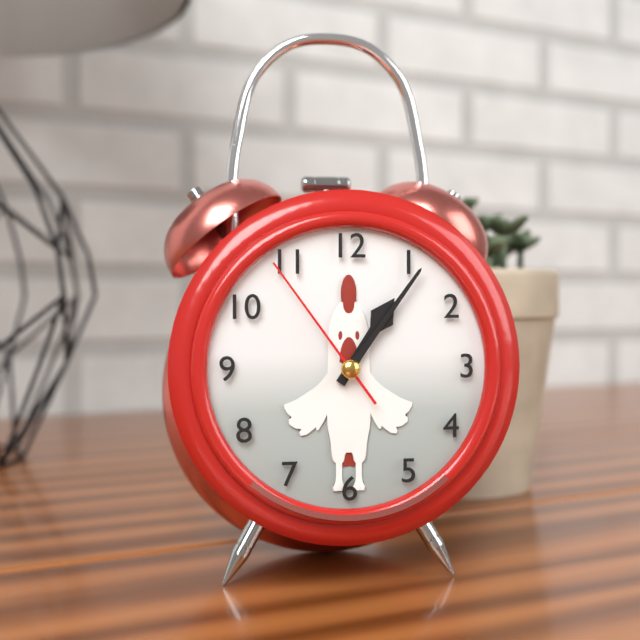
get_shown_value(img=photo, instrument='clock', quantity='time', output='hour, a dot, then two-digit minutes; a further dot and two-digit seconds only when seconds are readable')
1.06.54
